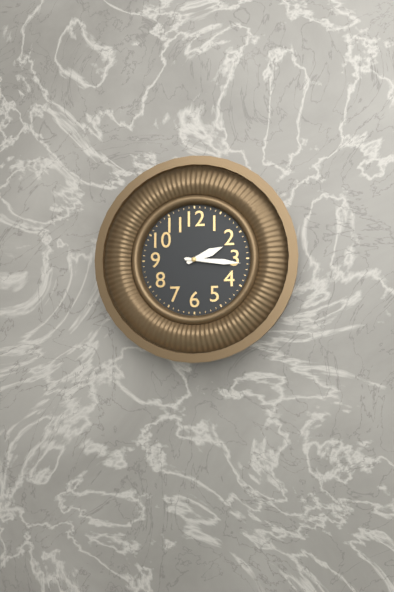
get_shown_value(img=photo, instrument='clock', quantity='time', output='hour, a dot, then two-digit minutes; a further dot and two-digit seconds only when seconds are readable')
2.16
